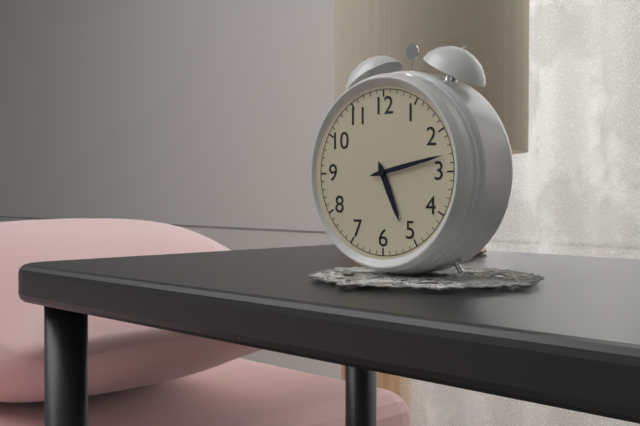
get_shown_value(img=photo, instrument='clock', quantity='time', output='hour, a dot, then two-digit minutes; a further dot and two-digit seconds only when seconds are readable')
5.13
